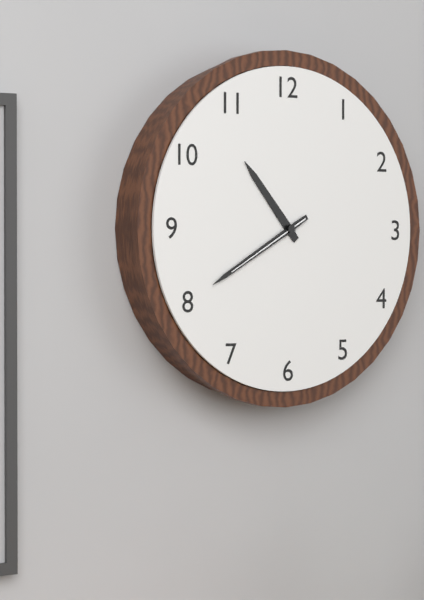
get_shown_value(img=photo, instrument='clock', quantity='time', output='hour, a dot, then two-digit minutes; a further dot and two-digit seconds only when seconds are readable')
10.40.40
